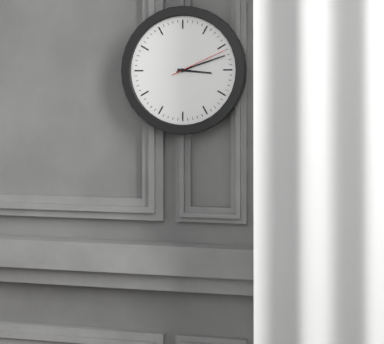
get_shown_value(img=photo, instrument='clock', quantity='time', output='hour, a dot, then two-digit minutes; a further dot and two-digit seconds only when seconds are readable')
3.12.11
